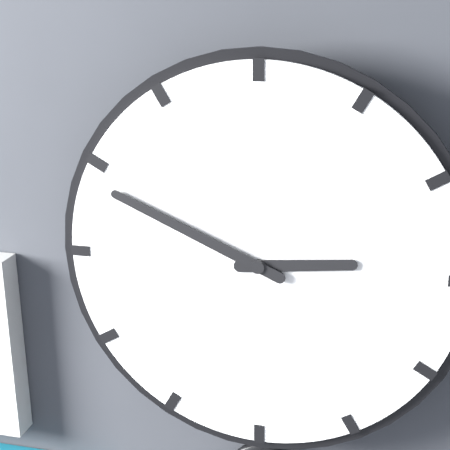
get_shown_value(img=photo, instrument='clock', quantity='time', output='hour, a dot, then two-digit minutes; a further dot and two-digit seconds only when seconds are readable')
2.49
